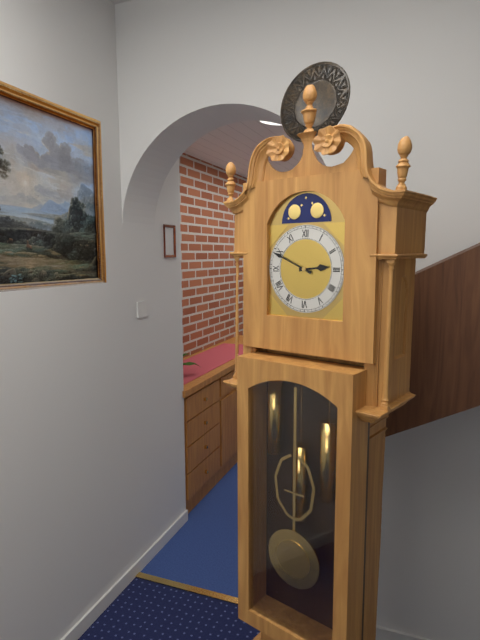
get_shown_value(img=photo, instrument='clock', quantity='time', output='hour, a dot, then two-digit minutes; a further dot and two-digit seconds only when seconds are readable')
2.49
